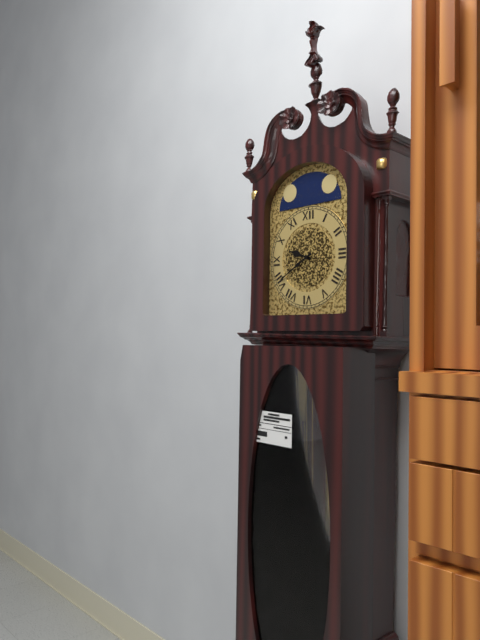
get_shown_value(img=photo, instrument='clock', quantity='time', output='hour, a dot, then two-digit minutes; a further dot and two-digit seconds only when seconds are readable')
9.40
